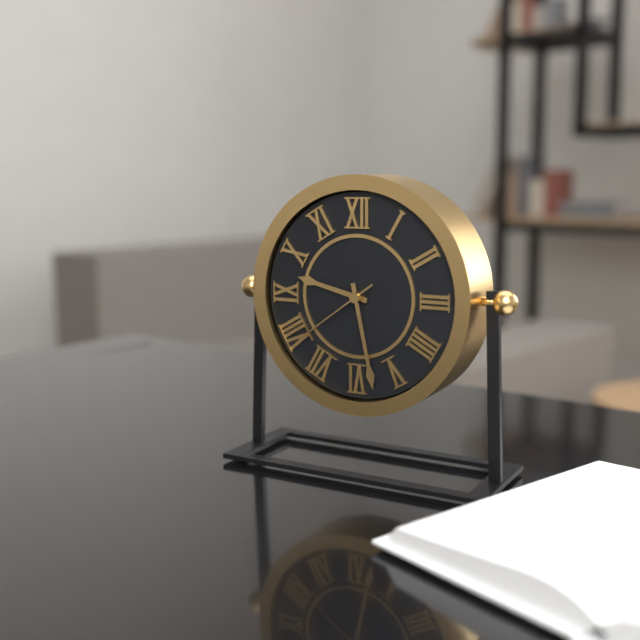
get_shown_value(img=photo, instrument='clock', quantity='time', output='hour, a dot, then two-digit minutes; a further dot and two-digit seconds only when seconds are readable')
9.28.39
